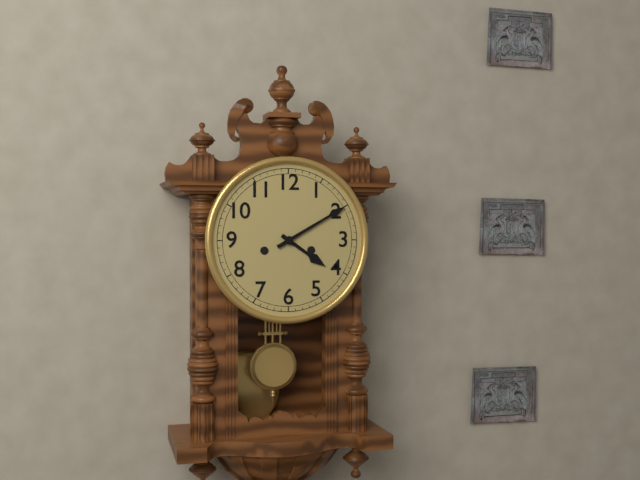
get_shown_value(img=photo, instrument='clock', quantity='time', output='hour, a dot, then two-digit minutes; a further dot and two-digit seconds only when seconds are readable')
4.10
